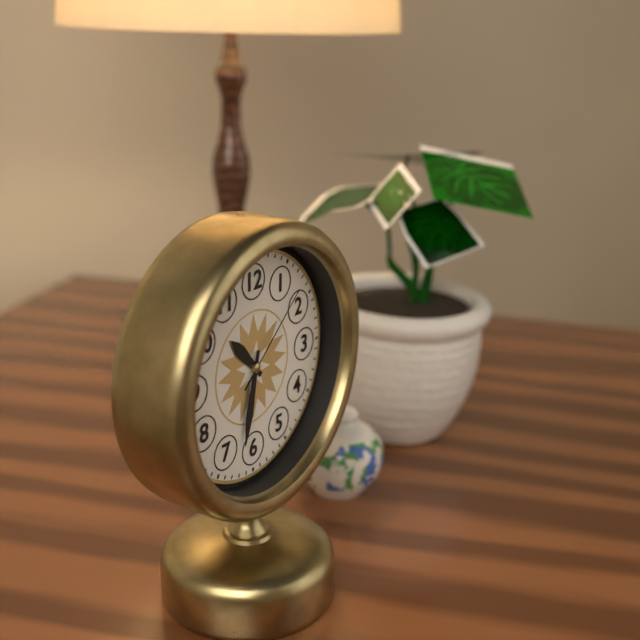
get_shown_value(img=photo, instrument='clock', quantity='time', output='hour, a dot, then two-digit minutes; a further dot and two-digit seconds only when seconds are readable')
10.32.08
